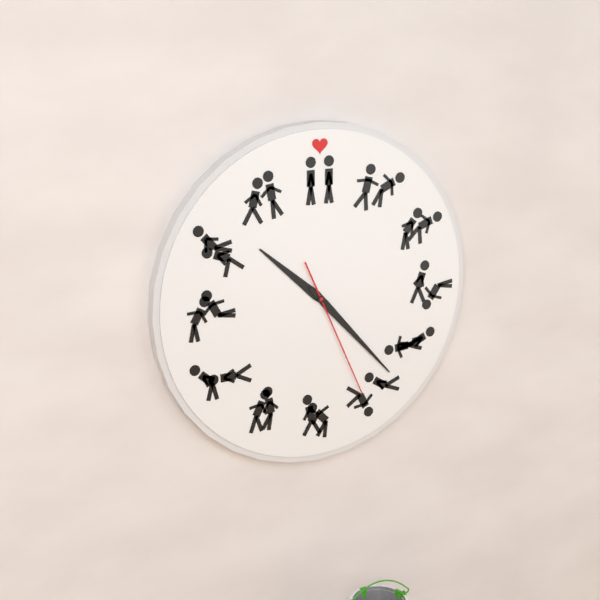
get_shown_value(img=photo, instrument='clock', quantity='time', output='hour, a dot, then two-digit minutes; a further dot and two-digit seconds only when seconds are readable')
10.23.26
